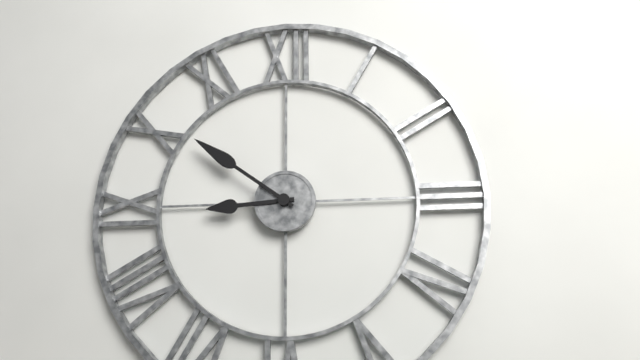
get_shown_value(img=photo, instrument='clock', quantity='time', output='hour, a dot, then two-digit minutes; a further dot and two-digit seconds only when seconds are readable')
8.51
